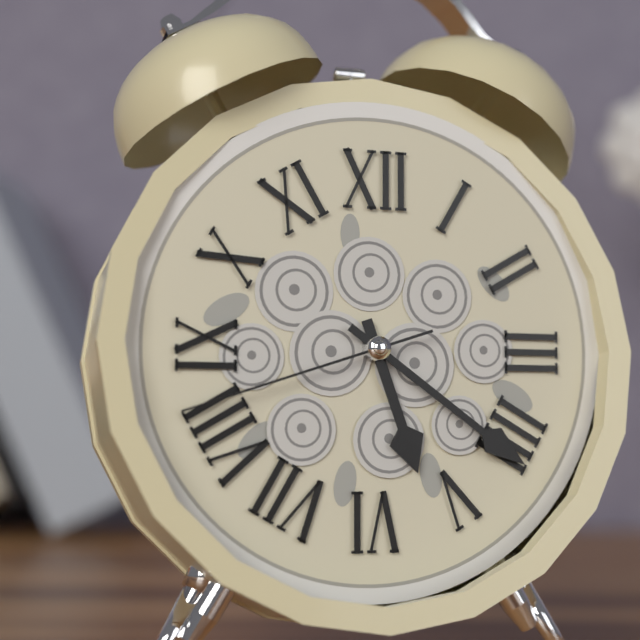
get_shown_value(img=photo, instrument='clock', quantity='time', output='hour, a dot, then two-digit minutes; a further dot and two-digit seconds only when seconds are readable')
5.21.42
